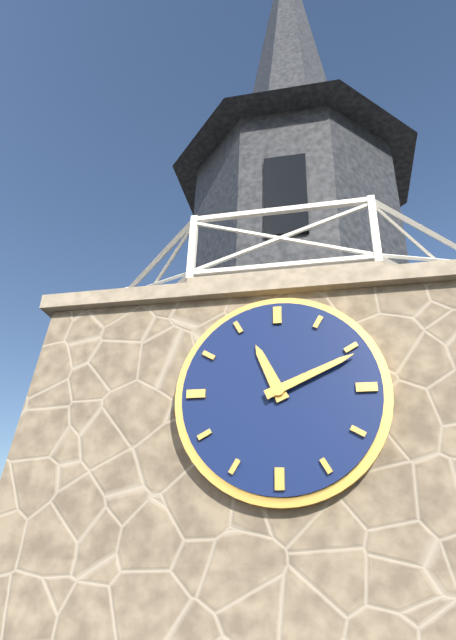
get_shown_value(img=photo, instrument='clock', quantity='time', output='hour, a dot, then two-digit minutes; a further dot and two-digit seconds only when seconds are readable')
11.11
